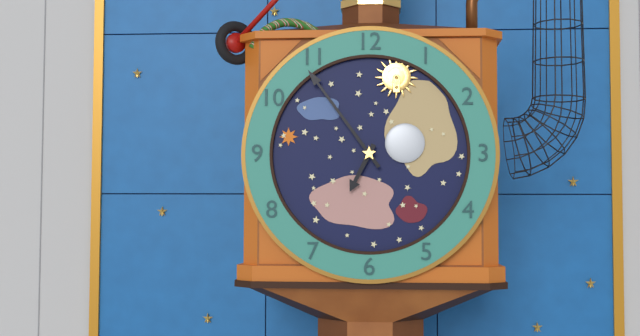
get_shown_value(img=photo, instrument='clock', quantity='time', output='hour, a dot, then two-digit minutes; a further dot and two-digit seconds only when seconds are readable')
6.54
